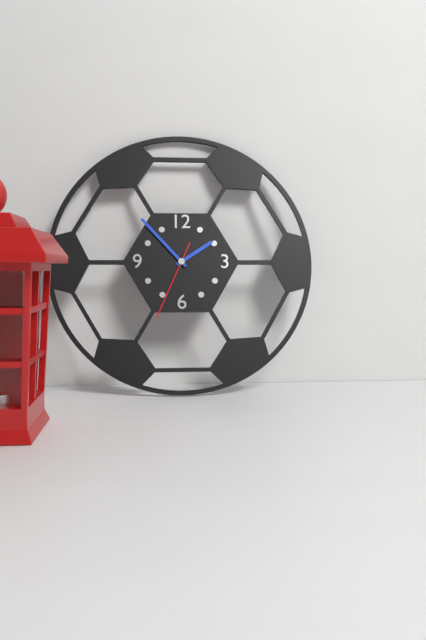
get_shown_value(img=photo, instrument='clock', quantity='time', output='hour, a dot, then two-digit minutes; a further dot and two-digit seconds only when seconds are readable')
1.53.34
